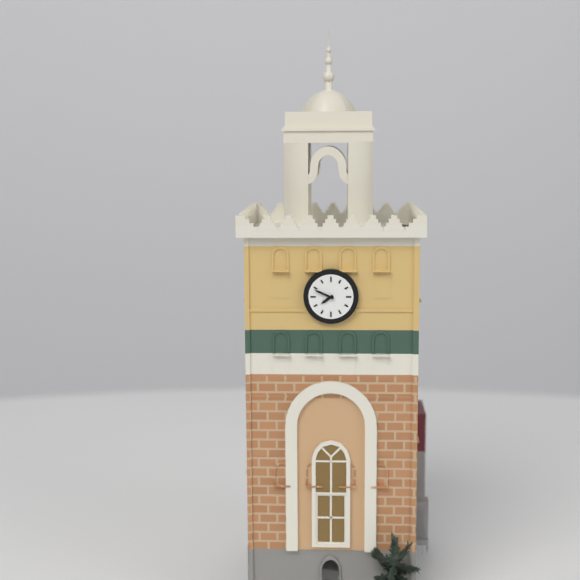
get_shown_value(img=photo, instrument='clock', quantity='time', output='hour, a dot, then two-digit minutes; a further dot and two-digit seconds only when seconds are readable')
7.49
